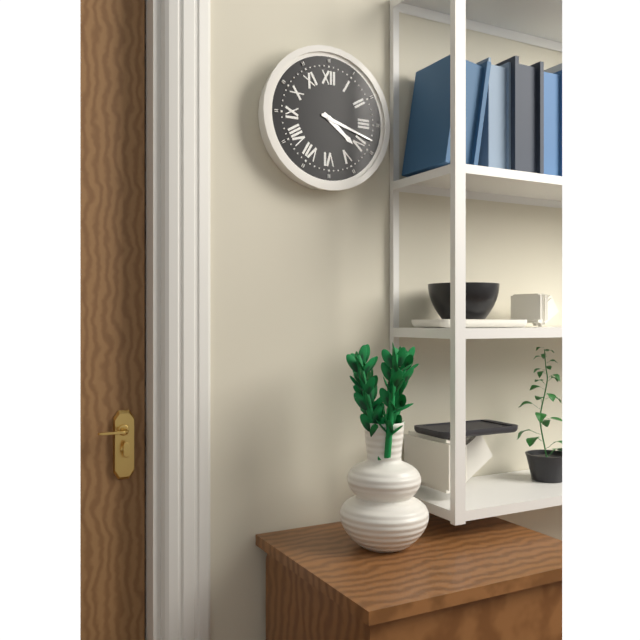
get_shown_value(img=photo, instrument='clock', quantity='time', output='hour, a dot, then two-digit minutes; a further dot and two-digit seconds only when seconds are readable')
4.18
